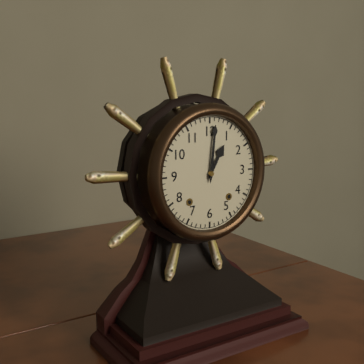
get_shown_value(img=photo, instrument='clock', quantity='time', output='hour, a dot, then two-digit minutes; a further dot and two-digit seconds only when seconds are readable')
1.01
